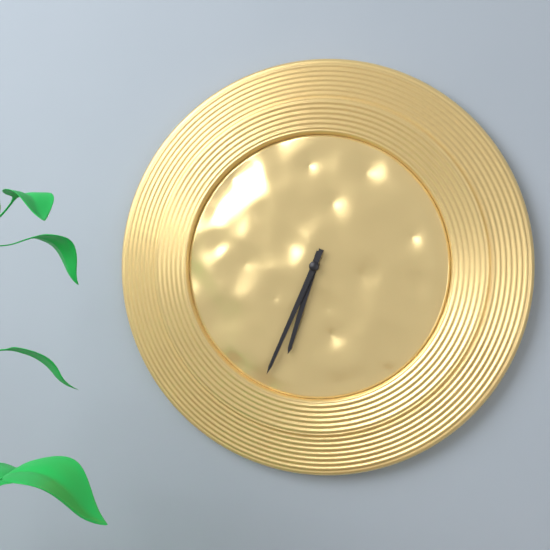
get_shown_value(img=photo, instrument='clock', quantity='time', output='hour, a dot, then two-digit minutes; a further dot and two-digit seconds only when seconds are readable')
6.34
